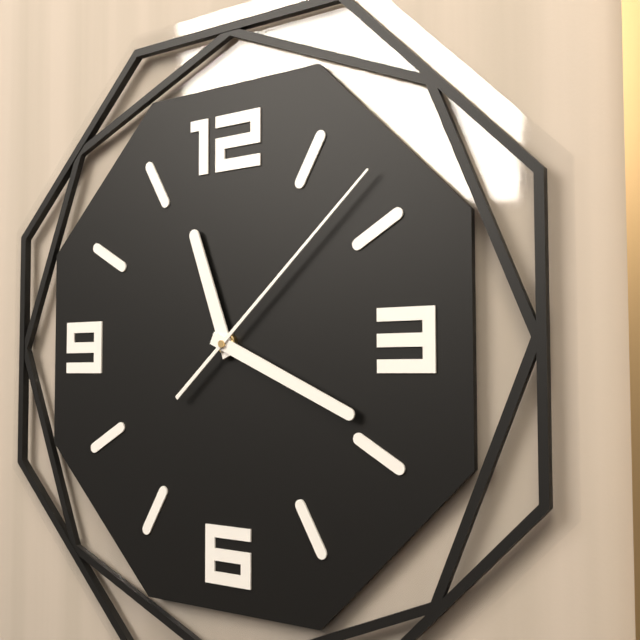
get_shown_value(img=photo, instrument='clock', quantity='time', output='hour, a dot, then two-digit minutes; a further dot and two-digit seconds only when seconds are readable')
11.19.08
